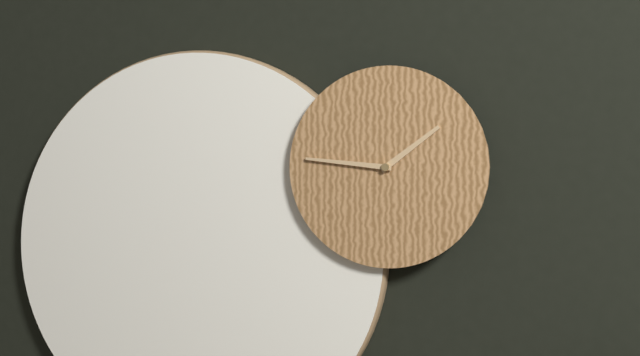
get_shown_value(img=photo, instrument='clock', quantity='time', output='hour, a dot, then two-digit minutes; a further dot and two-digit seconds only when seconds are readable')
1.46
